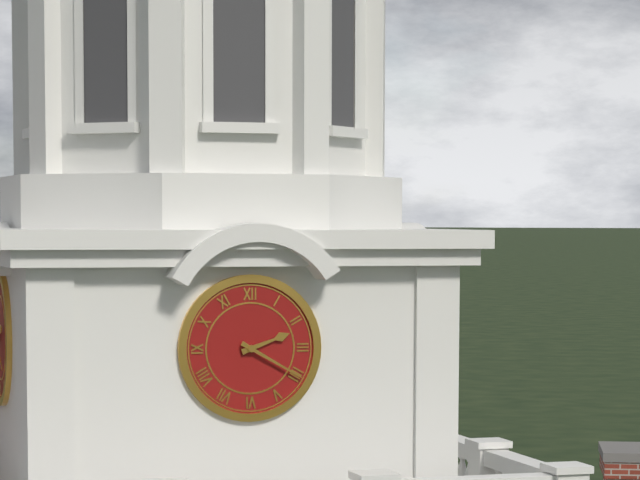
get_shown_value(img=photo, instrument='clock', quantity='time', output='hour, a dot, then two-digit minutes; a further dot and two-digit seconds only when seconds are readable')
2.20
